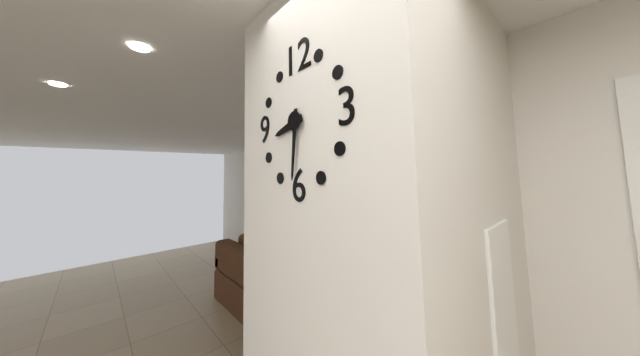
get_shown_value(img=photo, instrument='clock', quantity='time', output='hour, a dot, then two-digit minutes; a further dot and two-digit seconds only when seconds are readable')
8.31
